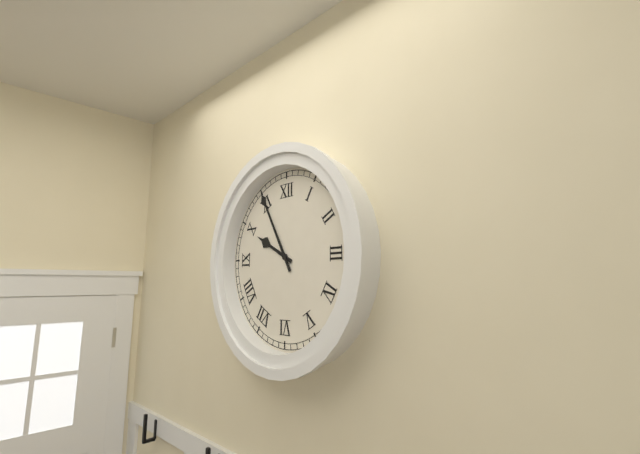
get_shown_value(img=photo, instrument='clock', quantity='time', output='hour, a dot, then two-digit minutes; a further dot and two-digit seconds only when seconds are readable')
9.55
